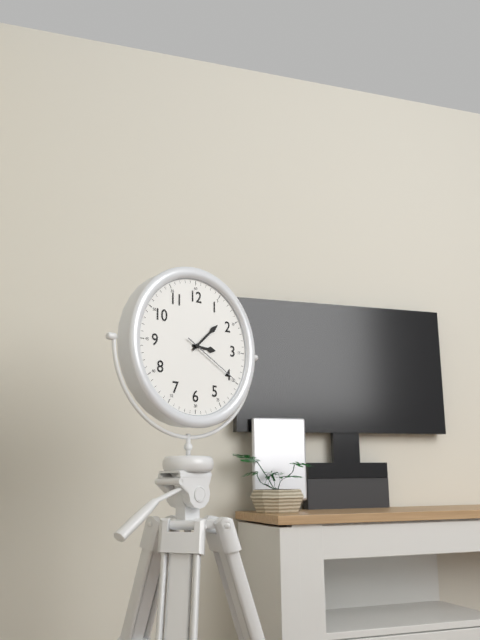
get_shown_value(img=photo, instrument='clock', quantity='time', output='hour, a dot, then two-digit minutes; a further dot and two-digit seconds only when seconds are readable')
3.08.20
